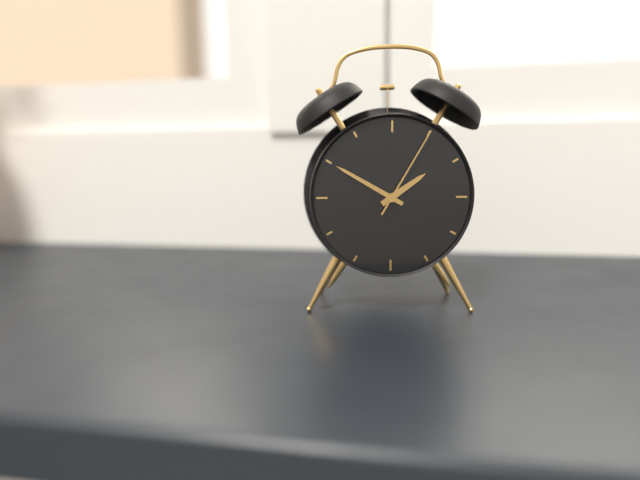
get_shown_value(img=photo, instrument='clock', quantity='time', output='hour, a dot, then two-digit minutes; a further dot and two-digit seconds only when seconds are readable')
1.50.05
